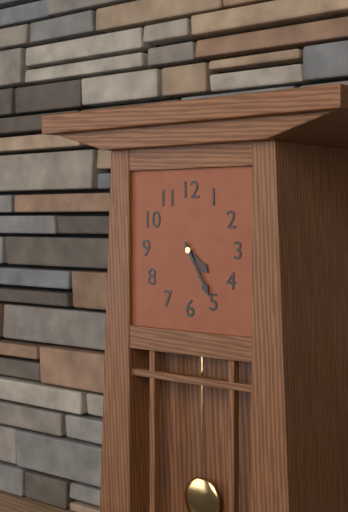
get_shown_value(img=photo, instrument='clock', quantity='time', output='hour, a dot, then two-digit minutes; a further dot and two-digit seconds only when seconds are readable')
4.25
